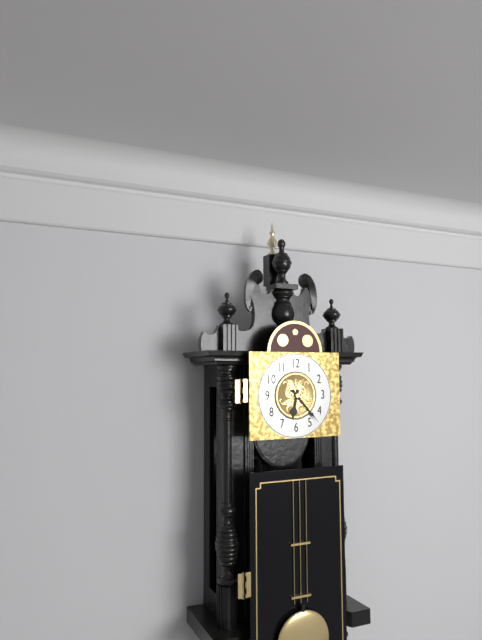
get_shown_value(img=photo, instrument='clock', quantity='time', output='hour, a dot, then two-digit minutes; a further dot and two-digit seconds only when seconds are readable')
6.23
